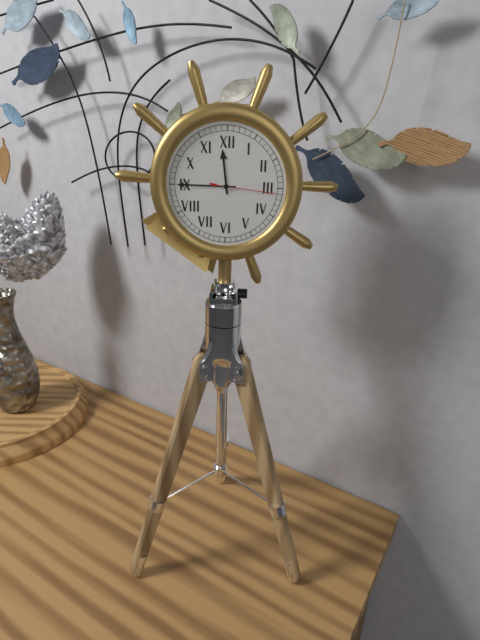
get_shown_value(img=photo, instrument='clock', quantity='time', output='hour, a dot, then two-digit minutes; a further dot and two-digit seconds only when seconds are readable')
11.45.16
